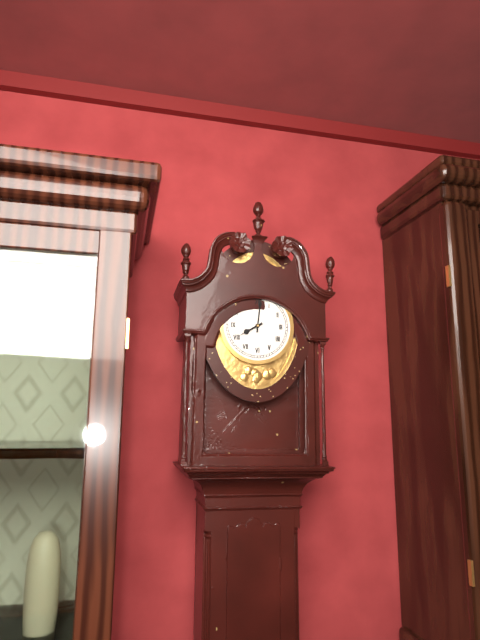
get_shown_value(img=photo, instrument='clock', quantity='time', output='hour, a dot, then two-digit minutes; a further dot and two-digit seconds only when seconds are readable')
8.01
